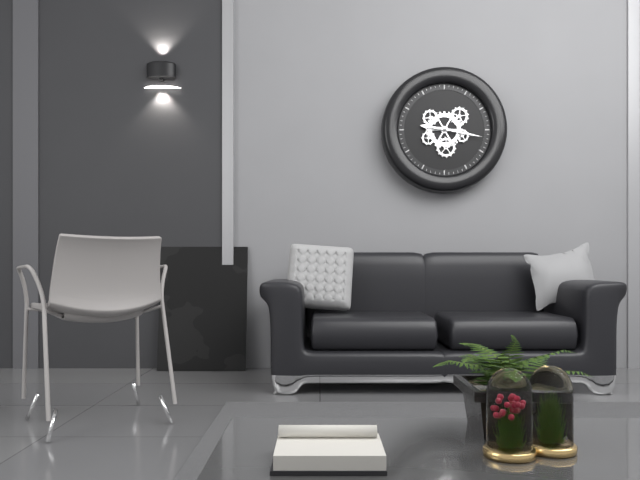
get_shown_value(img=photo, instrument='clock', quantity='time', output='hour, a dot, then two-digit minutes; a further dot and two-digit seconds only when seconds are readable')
9.17
